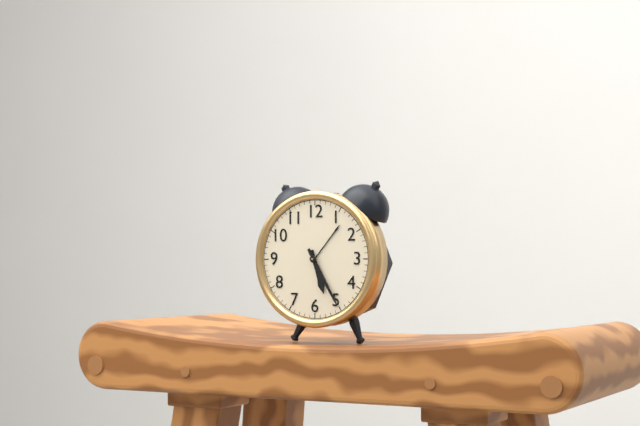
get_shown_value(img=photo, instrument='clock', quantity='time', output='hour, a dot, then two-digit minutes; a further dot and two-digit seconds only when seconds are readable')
5.25
